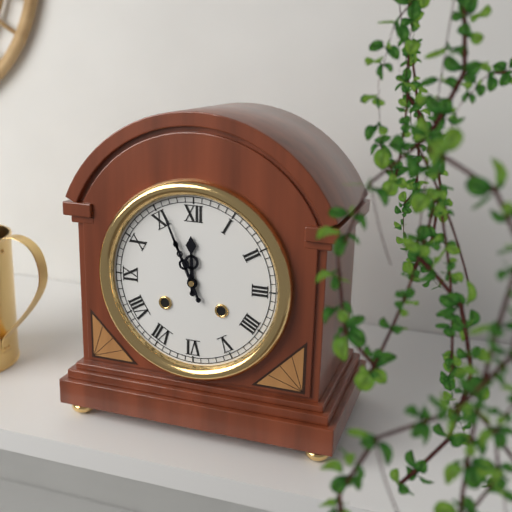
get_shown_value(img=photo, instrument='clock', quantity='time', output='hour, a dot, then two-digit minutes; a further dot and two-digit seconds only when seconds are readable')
11.56
